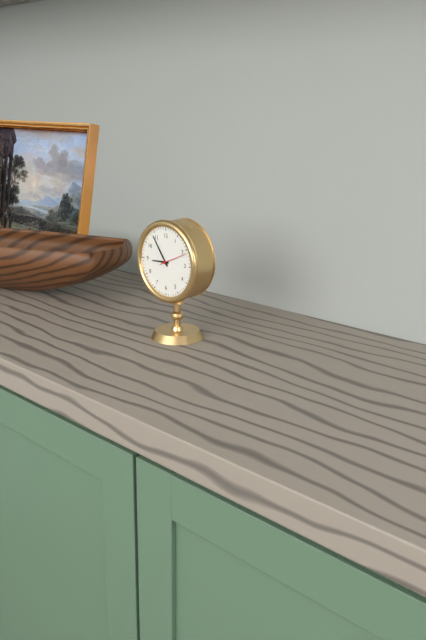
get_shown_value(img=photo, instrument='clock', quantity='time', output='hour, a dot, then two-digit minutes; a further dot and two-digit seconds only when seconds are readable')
8.54
